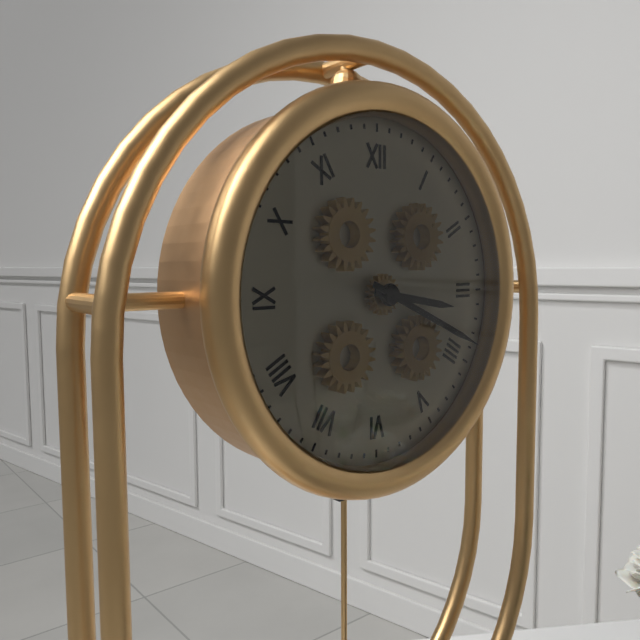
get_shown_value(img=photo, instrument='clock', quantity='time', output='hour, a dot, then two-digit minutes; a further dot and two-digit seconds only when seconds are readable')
3.19
